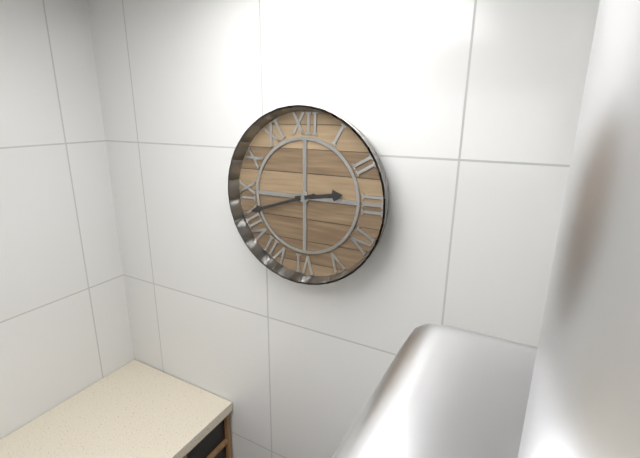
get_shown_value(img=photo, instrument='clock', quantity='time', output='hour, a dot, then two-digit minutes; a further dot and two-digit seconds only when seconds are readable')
2.42
